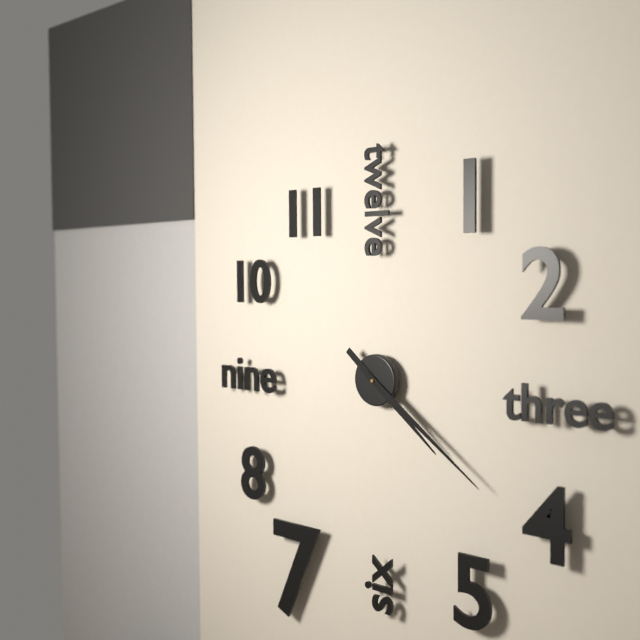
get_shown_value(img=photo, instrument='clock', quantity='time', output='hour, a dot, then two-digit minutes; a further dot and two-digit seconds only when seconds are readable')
4.21
